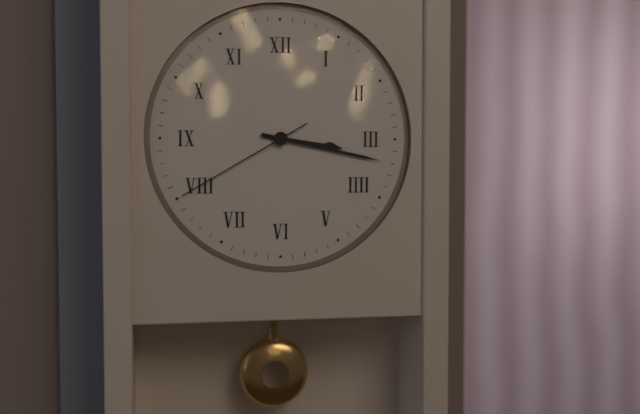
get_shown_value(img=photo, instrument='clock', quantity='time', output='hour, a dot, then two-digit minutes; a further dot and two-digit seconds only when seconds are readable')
3.17.40
